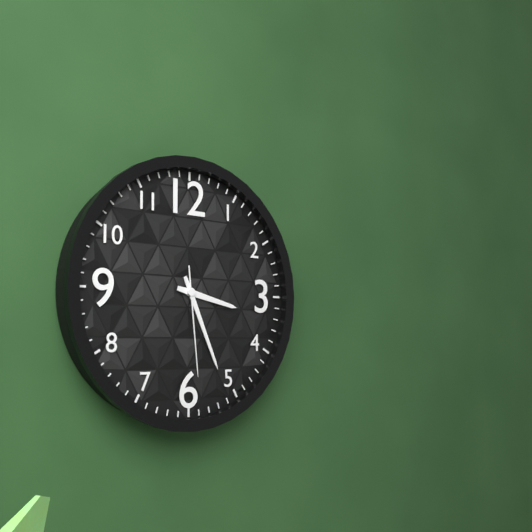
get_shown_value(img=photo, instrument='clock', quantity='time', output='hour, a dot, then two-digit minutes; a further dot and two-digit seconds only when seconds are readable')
3.26.29
